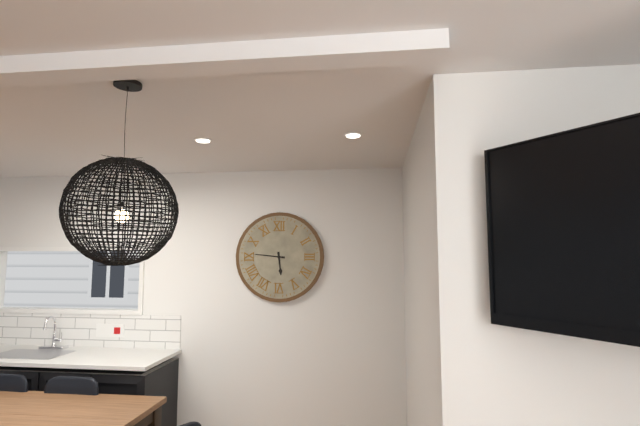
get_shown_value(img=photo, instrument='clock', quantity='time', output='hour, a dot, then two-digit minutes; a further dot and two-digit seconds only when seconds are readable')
5.46
